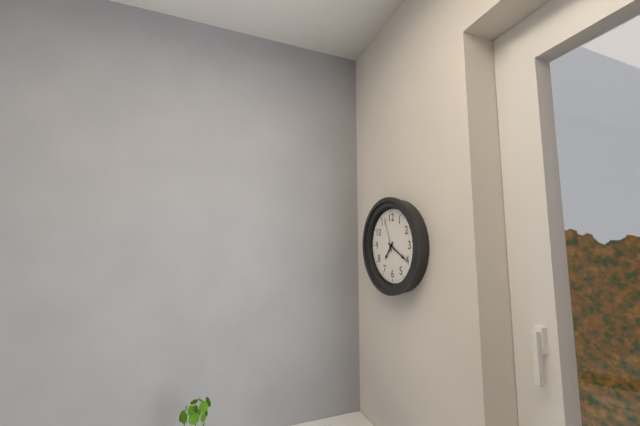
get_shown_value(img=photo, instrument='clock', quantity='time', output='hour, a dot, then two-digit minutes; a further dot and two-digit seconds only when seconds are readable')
7.20
